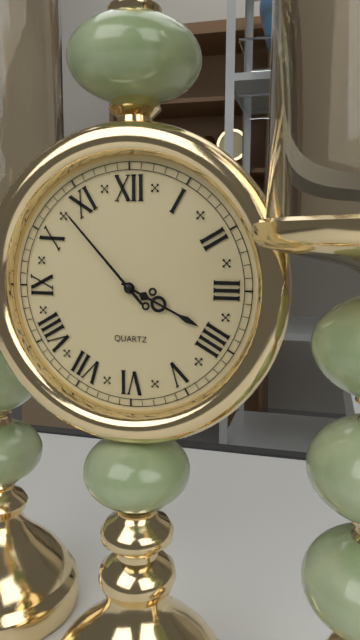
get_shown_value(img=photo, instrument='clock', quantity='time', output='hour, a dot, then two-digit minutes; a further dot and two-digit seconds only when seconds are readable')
3.53
